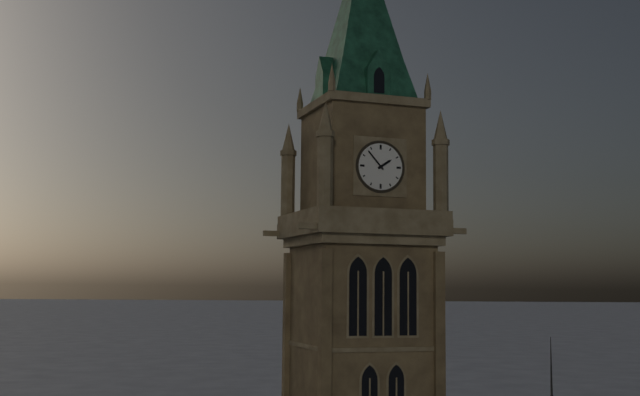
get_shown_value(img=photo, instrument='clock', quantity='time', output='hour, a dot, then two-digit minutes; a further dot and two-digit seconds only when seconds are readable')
1.53
